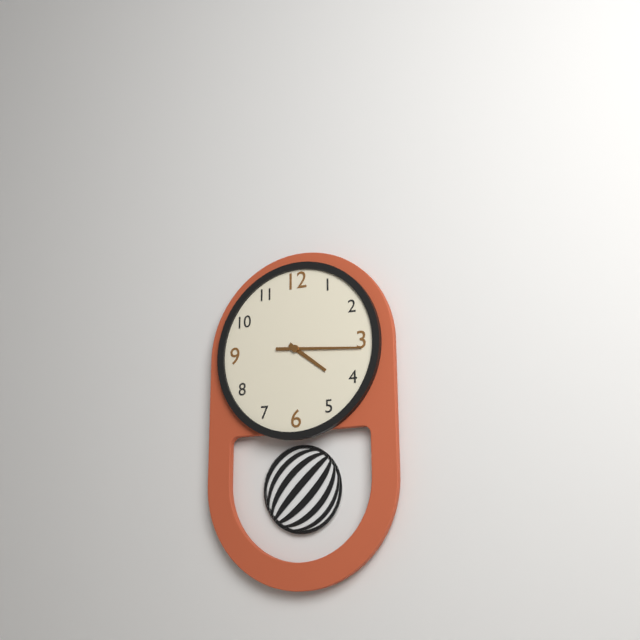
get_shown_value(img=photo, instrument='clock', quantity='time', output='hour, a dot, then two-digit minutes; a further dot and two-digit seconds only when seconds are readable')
4.16
